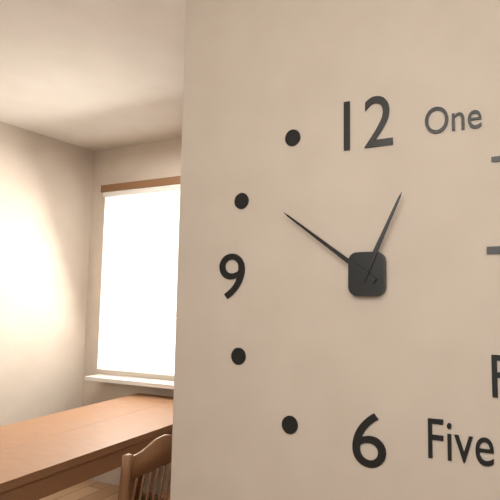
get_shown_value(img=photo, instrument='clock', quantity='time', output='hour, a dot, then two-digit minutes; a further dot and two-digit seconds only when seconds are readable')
12.51
